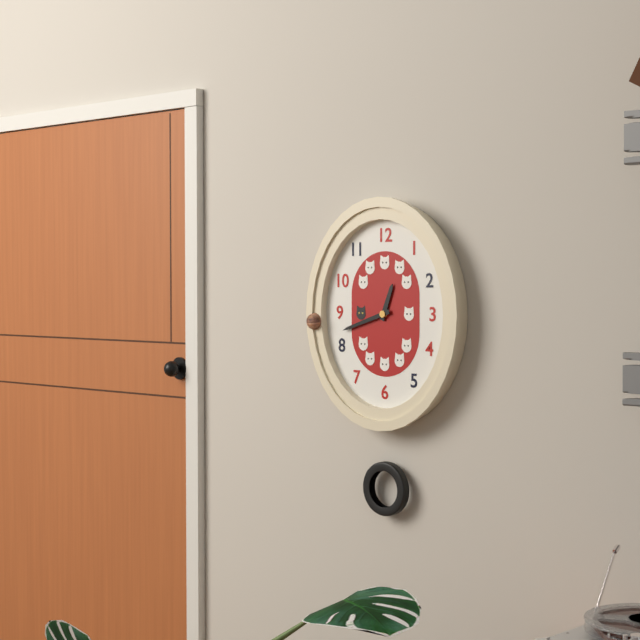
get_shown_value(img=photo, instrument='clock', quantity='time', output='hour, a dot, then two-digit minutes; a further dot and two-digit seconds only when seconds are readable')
12.42
